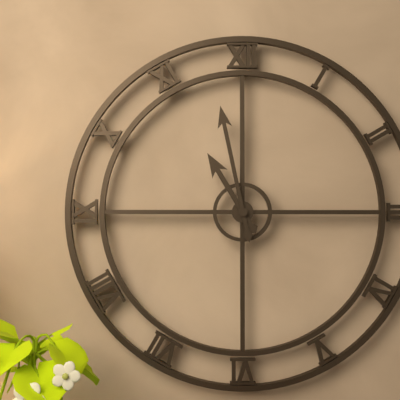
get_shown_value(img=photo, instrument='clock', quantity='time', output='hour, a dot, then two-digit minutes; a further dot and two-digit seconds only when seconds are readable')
10.58
